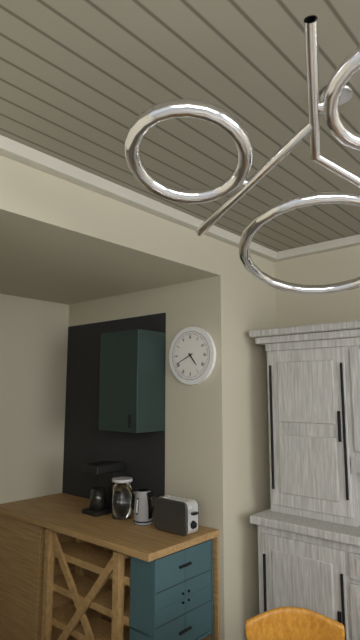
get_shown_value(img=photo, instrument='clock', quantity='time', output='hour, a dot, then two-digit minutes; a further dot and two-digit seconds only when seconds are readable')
4.41
